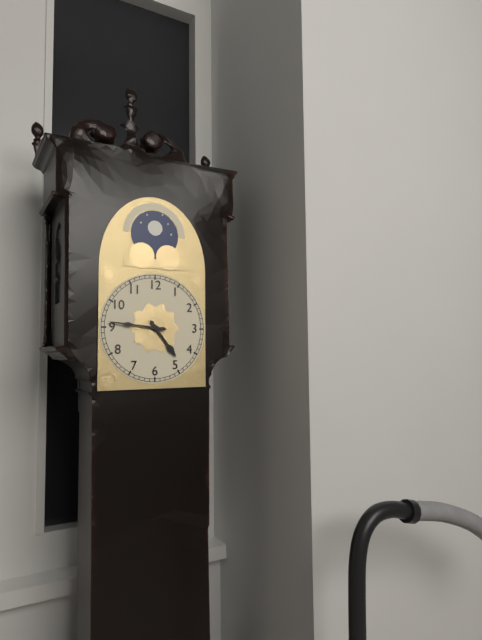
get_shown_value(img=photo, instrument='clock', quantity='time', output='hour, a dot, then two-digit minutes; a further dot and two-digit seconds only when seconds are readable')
4.46
